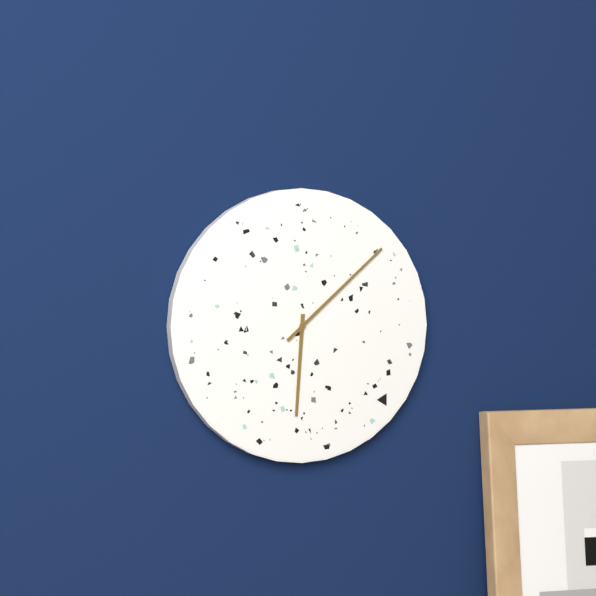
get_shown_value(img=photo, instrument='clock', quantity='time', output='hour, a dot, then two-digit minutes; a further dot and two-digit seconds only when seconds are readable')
6.08
